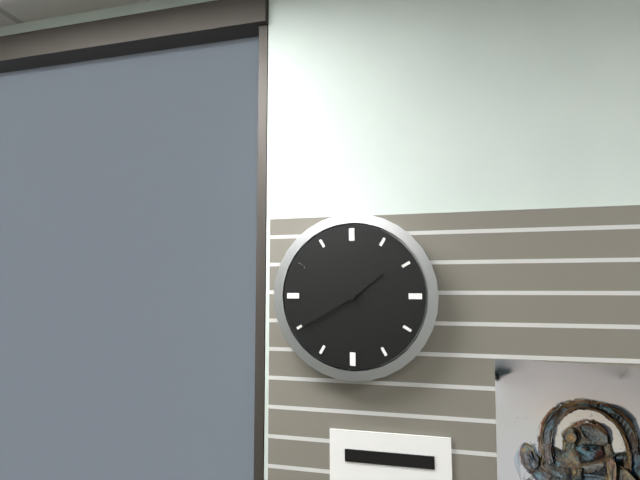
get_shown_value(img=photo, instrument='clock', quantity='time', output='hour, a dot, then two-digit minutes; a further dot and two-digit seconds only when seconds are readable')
1.40
